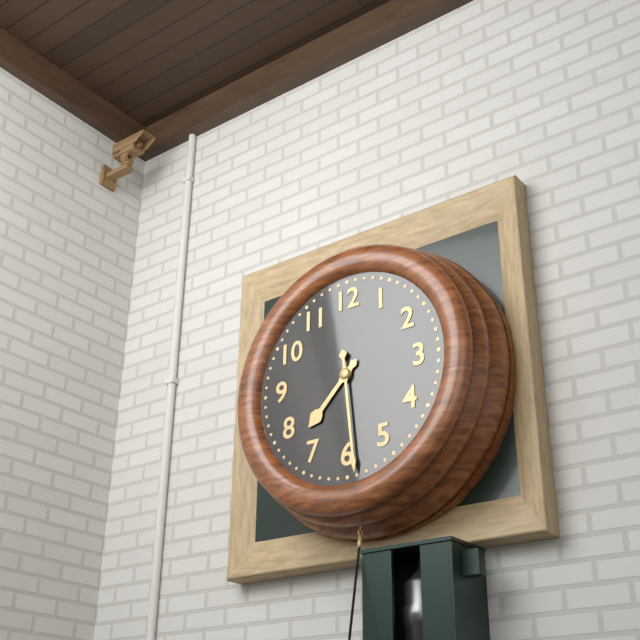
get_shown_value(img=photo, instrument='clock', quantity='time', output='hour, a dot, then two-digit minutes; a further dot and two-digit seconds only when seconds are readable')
7.29
